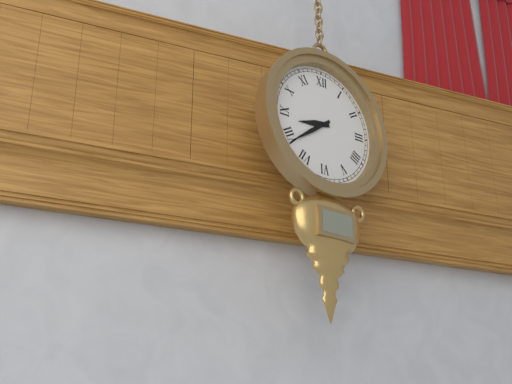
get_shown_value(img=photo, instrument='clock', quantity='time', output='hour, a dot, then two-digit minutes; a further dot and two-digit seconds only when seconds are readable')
8.39
